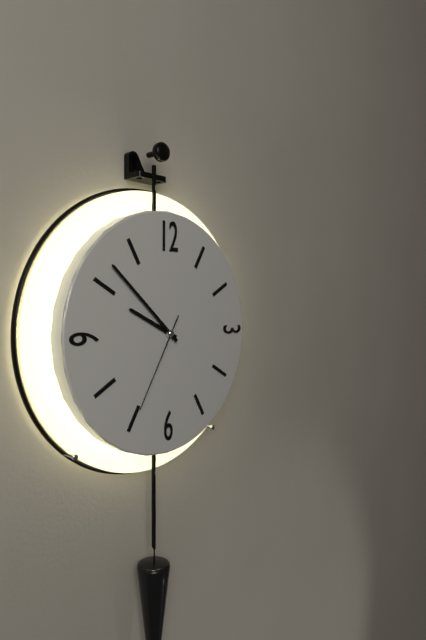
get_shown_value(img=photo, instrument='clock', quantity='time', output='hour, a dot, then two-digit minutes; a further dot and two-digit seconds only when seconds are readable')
9.52.35
